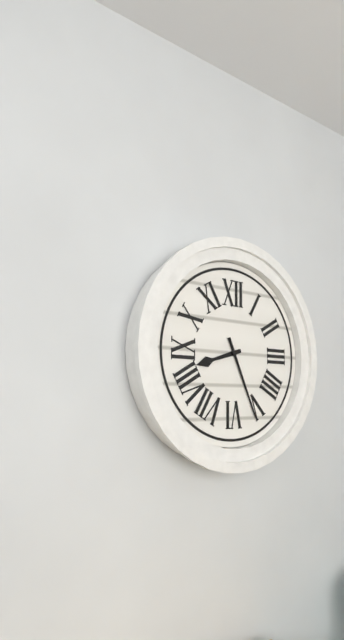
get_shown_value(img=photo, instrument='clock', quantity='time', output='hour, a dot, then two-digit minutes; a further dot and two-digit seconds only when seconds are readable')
8.26
